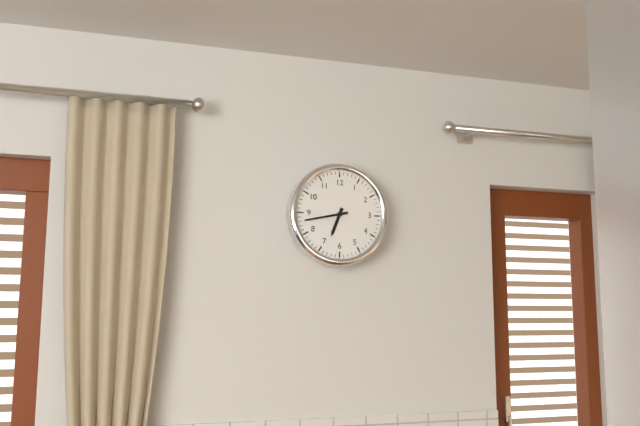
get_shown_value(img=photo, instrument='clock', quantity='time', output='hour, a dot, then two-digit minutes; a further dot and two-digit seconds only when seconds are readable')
6.43
